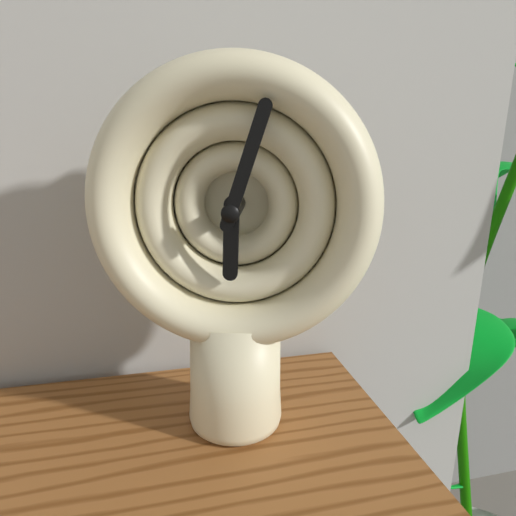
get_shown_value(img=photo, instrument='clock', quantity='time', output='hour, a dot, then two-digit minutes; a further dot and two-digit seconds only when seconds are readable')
6.03
